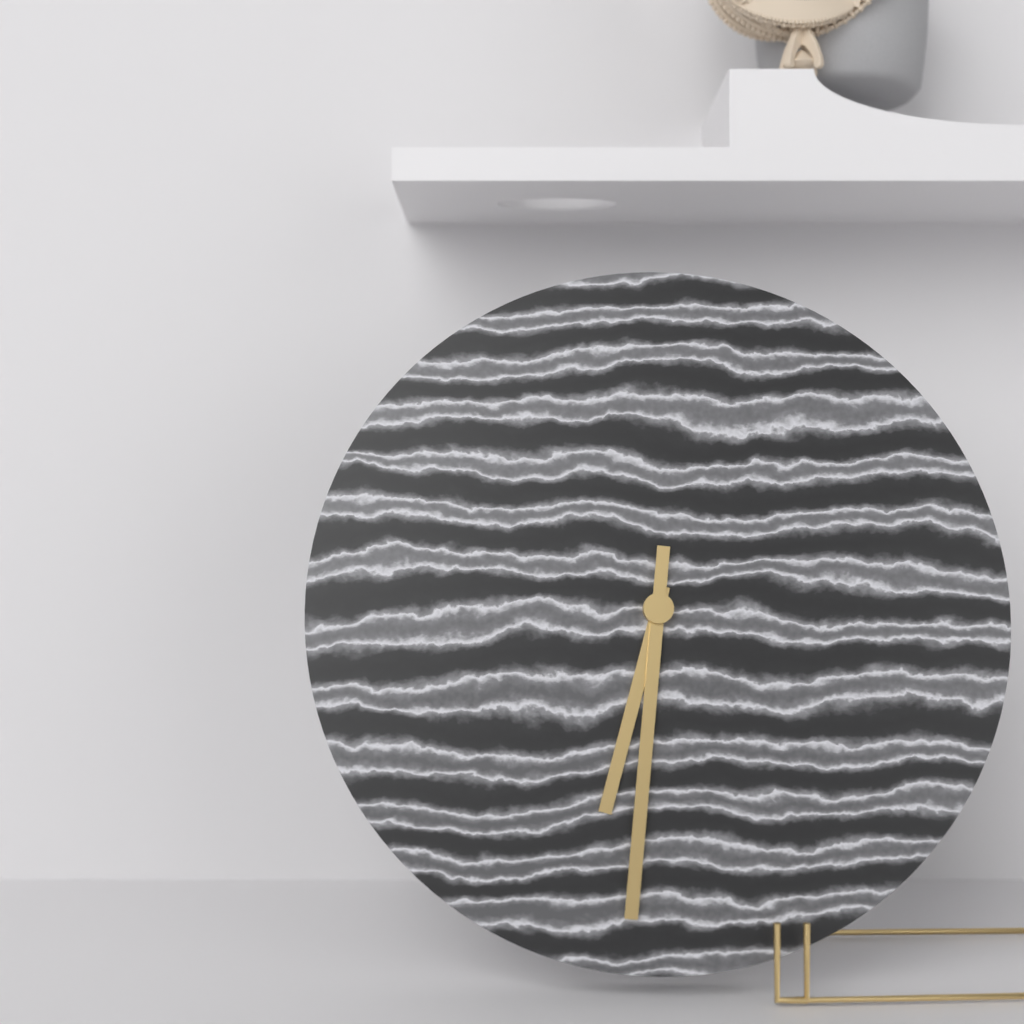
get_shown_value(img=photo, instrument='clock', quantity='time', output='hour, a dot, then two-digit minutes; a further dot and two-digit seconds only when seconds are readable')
6.31
